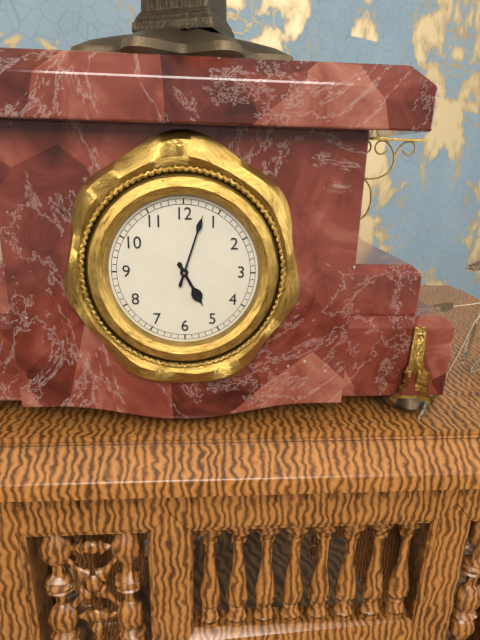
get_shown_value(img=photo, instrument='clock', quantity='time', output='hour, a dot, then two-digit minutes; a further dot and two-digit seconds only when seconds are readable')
5.03
